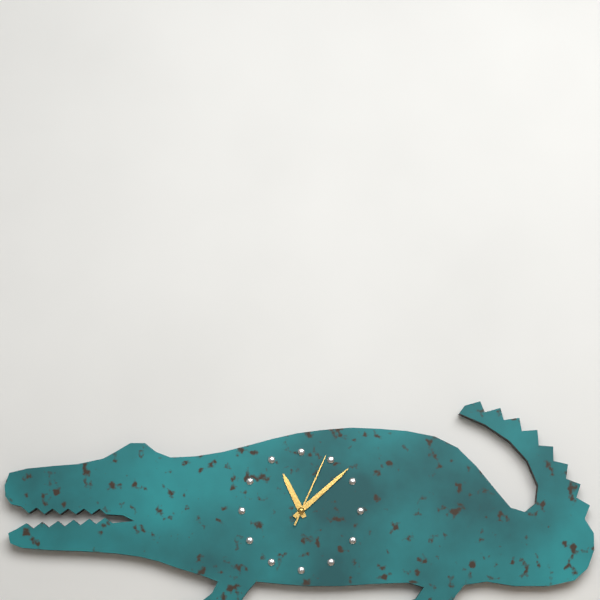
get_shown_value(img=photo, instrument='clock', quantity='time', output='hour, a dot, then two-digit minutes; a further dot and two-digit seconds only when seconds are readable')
11.08.04
